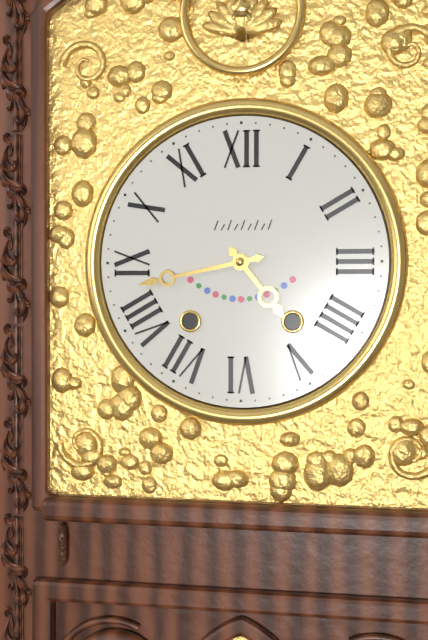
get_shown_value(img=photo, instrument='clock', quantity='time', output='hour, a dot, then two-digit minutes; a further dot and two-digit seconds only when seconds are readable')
4.43
